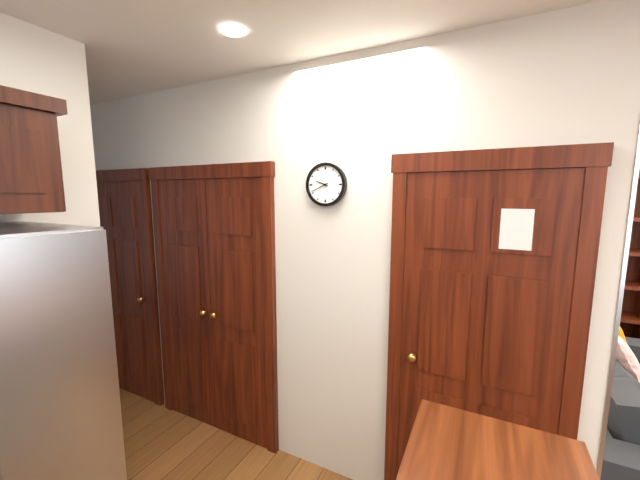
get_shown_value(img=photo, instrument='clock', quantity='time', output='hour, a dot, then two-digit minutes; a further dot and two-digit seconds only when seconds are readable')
9.41
